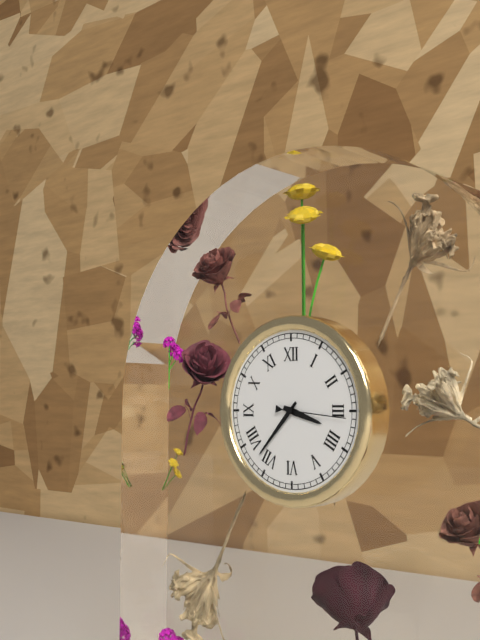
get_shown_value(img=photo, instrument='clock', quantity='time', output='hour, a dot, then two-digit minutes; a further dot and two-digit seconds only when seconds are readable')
3.37.16
